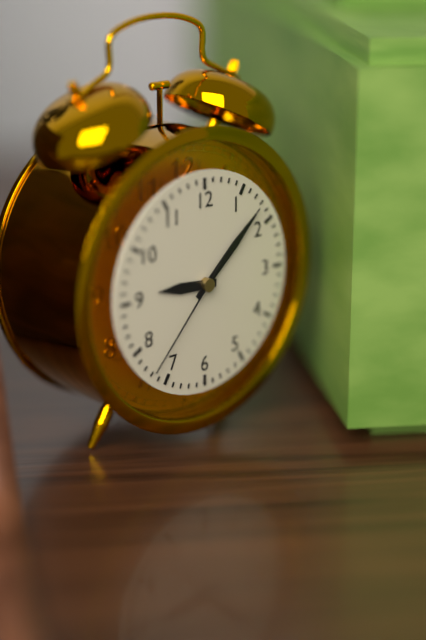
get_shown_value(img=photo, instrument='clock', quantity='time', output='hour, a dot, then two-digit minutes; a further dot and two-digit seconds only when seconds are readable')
9.08.37
